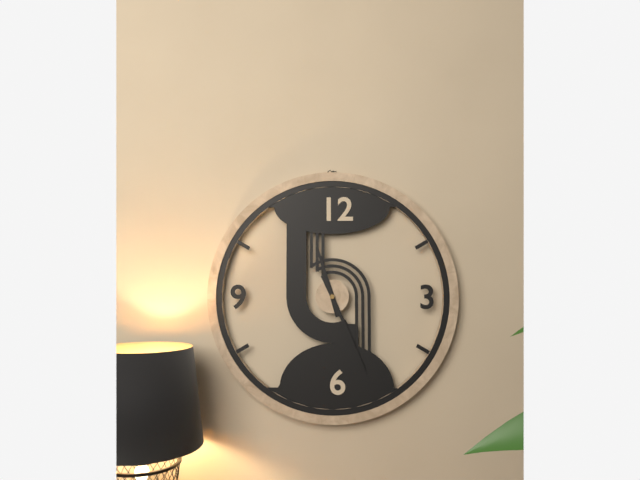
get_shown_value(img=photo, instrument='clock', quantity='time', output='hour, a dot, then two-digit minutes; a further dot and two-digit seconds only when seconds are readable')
11.26
